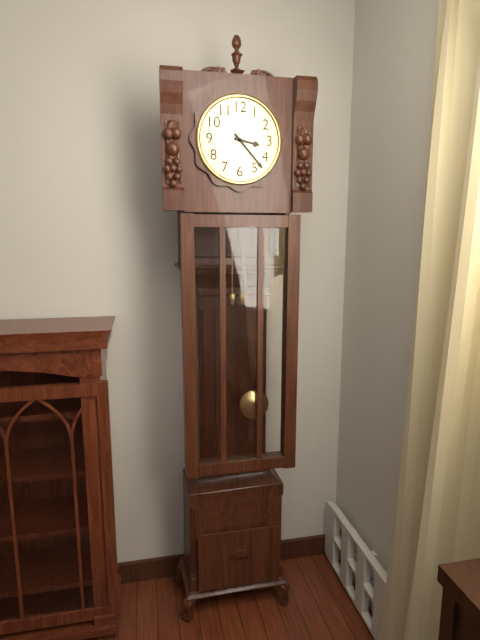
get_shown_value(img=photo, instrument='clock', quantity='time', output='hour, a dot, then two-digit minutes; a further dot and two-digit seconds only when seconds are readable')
3.23
